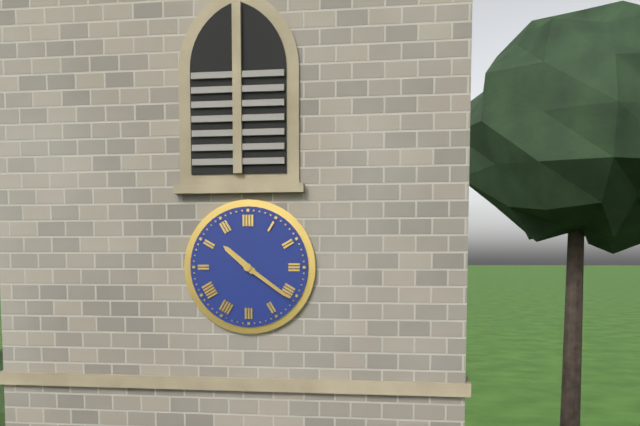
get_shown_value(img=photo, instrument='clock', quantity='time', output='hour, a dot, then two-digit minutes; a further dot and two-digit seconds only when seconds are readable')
10.21
